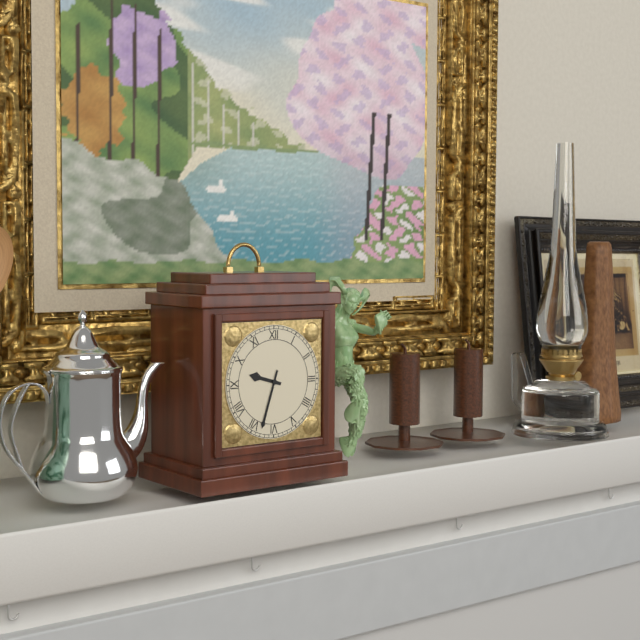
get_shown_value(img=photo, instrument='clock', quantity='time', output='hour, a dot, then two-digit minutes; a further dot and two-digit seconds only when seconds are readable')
9.33
